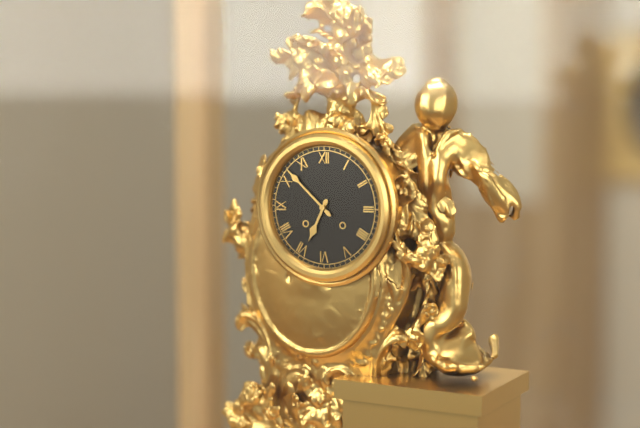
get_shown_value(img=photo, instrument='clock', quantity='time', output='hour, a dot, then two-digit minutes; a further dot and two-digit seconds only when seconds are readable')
6.52
